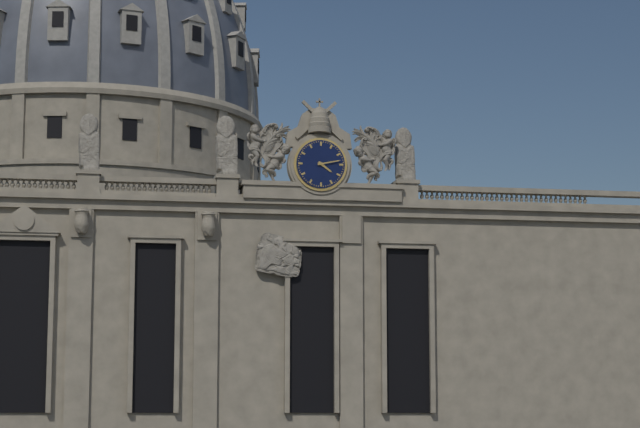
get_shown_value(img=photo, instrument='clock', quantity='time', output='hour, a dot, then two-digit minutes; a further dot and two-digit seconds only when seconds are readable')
4.13
